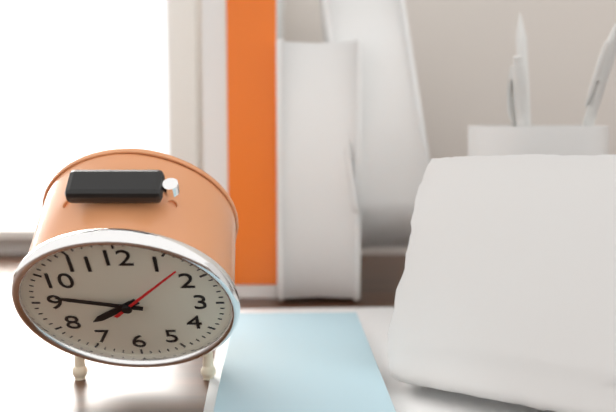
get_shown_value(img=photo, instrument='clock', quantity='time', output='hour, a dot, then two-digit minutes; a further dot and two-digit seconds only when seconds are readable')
7.47.07
